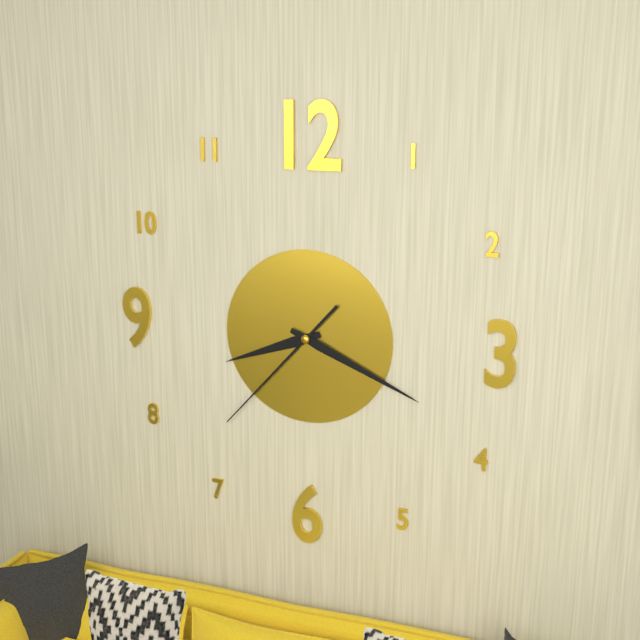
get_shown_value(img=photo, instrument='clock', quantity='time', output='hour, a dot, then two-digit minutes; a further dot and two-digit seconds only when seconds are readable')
8.19.37
